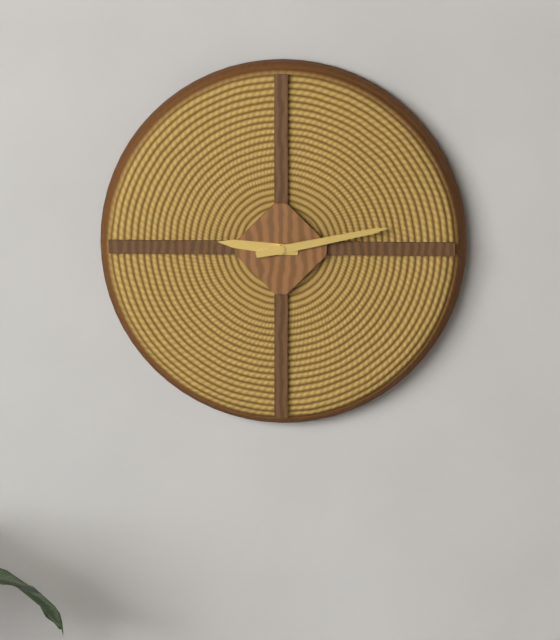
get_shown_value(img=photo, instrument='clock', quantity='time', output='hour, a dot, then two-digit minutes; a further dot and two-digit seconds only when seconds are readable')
9.13
